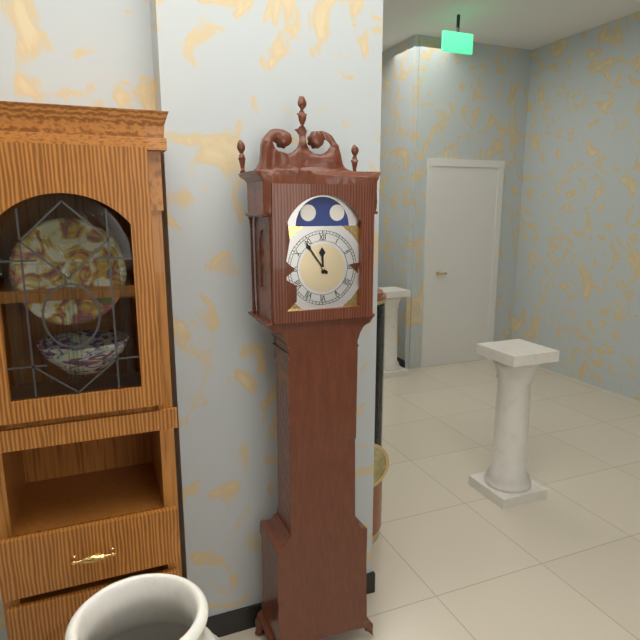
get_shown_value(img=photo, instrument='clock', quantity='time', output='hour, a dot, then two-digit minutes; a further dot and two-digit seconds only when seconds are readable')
11.54
